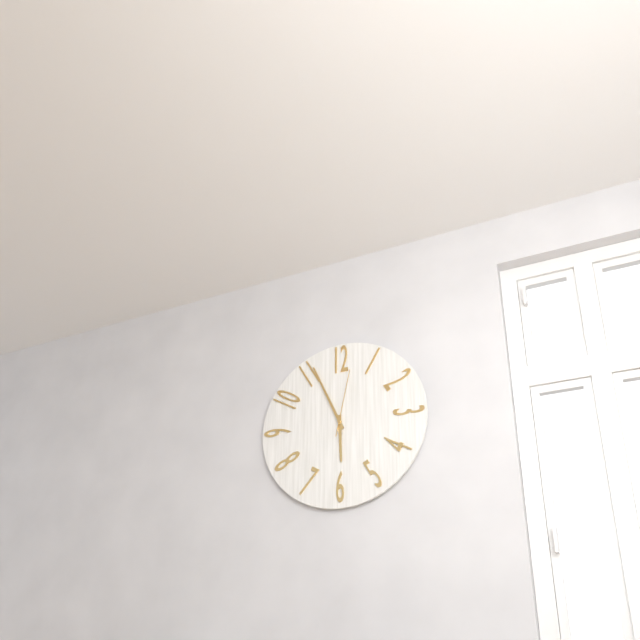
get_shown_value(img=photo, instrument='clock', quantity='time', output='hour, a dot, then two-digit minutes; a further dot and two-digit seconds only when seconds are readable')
5.56.02
